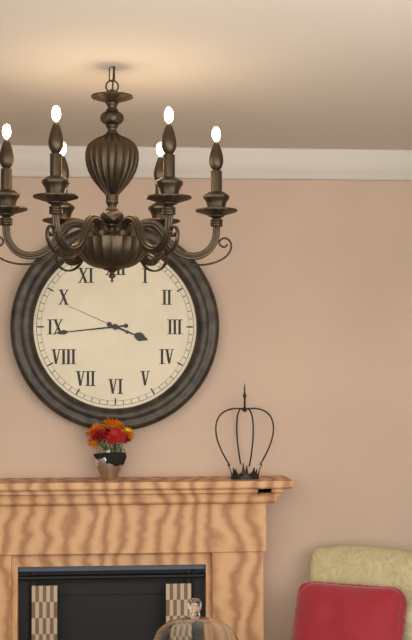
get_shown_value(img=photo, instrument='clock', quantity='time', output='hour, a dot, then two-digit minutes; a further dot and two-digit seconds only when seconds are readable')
3.44.49
